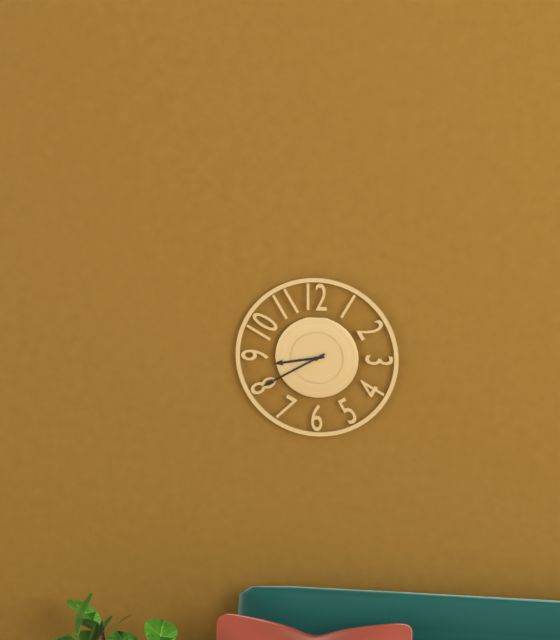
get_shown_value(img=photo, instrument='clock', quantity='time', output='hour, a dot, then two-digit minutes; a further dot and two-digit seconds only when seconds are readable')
8.40
